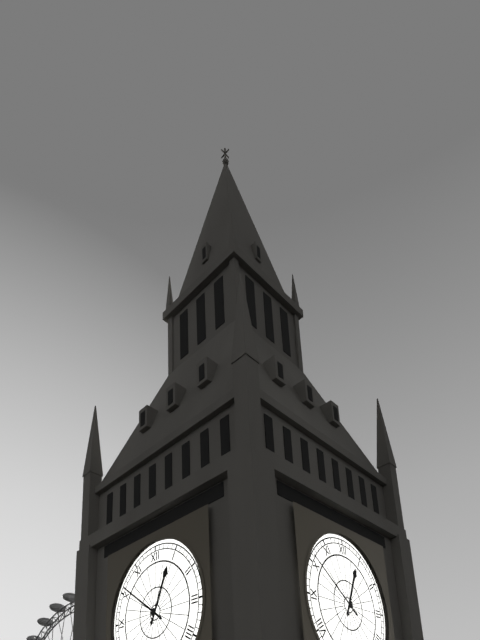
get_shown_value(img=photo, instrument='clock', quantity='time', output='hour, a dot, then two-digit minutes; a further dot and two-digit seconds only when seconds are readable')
12.51
